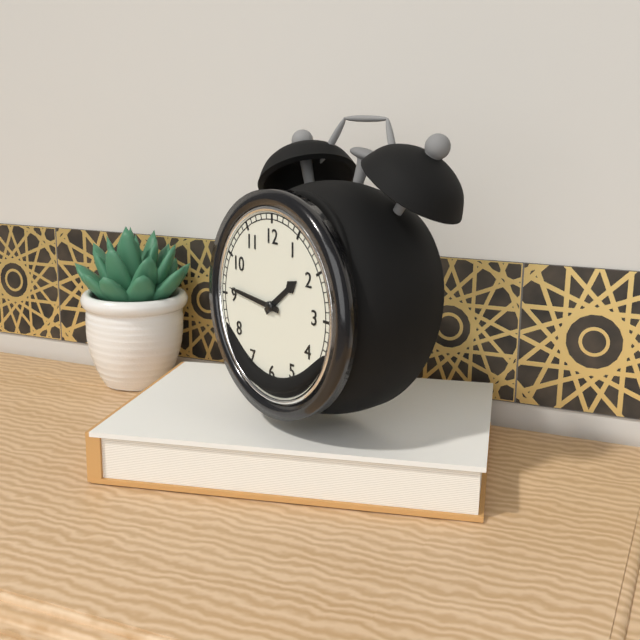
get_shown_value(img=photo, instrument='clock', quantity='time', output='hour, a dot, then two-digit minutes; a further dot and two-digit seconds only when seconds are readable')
1.46
